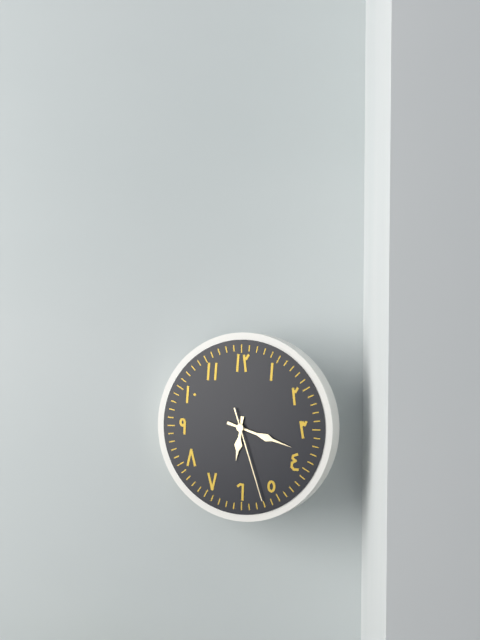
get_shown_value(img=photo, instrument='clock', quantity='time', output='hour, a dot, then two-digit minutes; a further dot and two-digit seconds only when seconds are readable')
6.18.27
